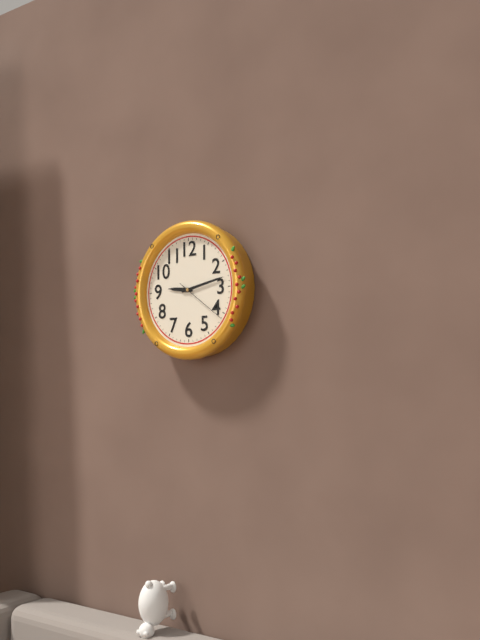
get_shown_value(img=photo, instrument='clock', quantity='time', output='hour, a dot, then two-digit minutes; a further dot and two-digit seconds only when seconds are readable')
9.13.21
